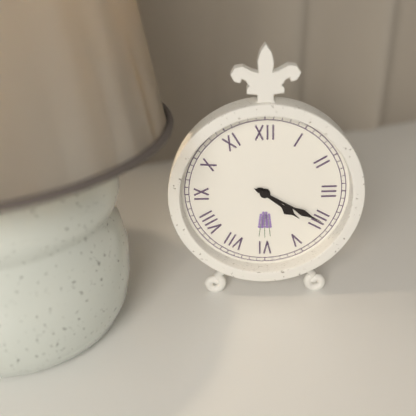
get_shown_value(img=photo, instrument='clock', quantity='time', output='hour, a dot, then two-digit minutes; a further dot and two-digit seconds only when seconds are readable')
4.20
